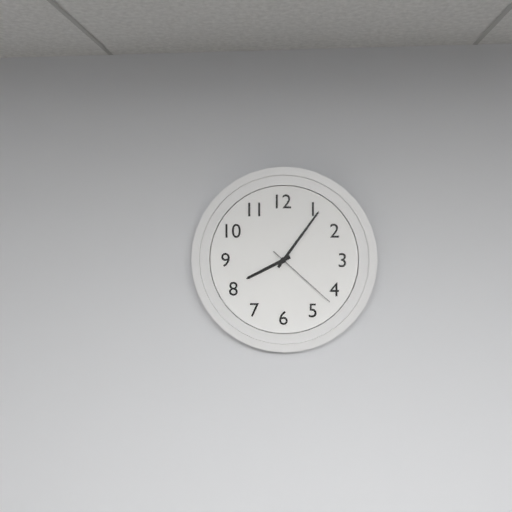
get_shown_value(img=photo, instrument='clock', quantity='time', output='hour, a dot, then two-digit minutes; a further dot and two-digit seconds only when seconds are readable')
8.06.22
